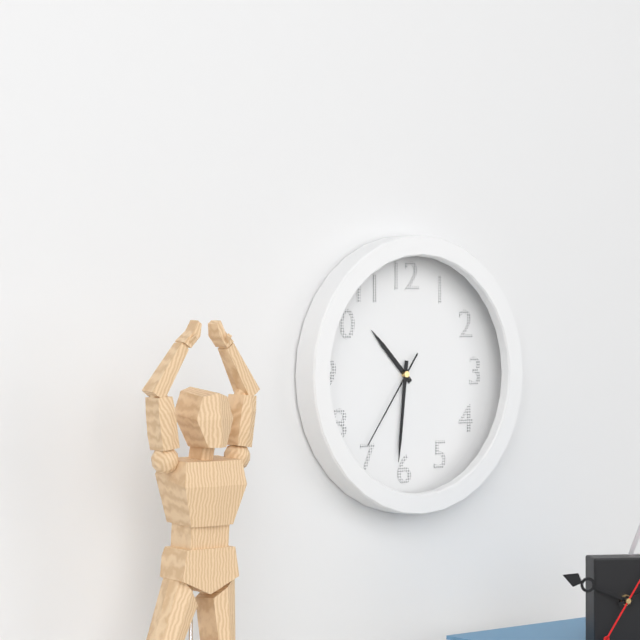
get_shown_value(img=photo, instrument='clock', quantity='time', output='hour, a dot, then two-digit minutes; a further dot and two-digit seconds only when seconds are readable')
10.31.36
